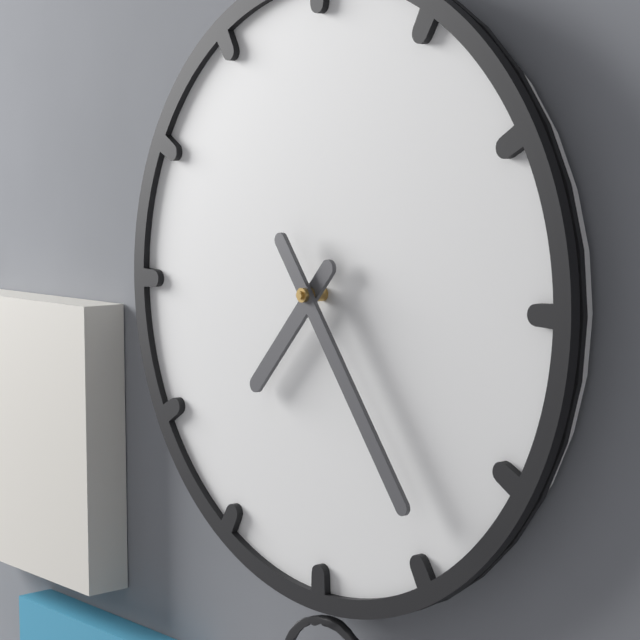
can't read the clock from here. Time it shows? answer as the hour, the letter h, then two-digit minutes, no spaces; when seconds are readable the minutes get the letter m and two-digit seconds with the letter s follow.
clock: 7h24
